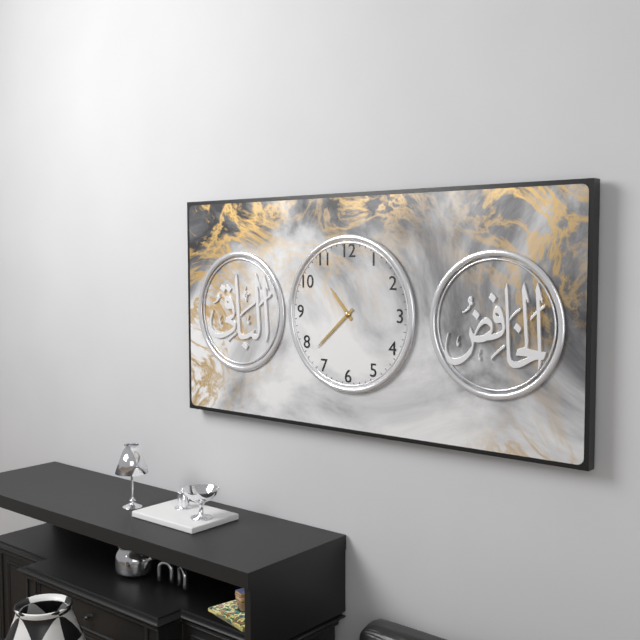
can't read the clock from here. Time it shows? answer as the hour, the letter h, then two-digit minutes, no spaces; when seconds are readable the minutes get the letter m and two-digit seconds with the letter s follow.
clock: 10h38
